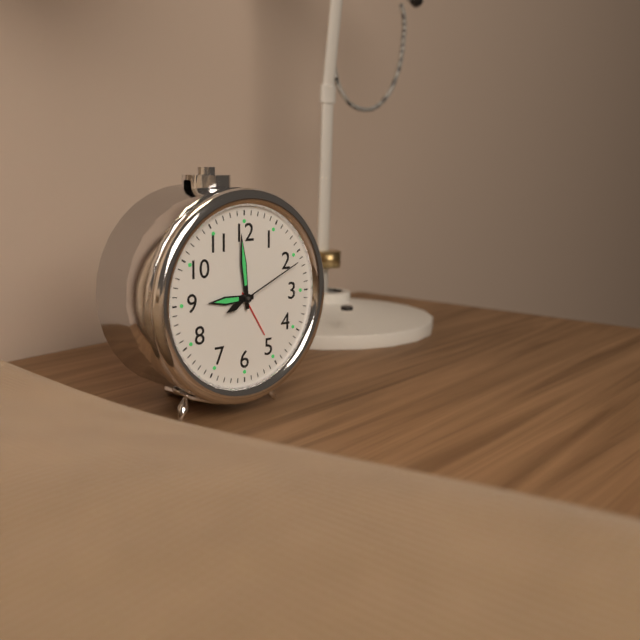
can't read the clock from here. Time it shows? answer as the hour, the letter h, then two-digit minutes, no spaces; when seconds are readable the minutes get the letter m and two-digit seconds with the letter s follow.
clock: 8h59m11s
